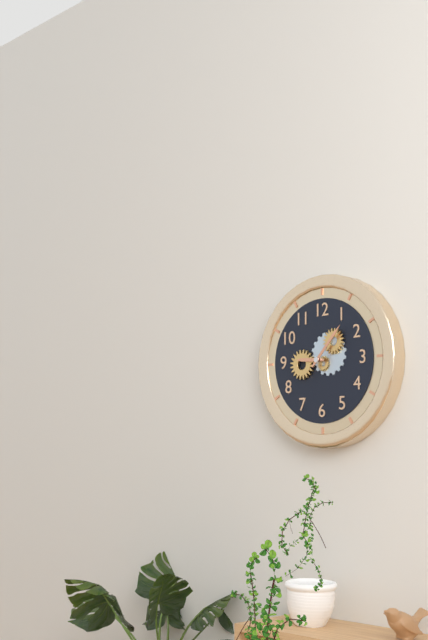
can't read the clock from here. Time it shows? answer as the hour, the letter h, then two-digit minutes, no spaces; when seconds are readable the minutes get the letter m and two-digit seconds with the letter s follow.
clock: 9h07
